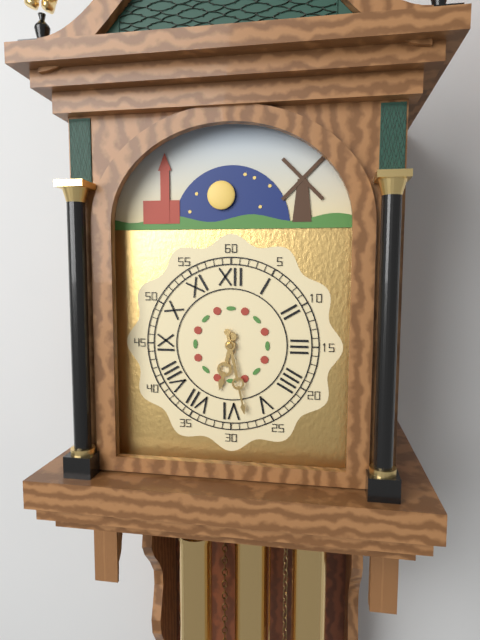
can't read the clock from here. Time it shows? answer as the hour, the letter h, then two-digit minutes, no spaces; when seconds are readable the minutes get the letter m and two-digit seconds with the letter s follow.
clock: 6h28
